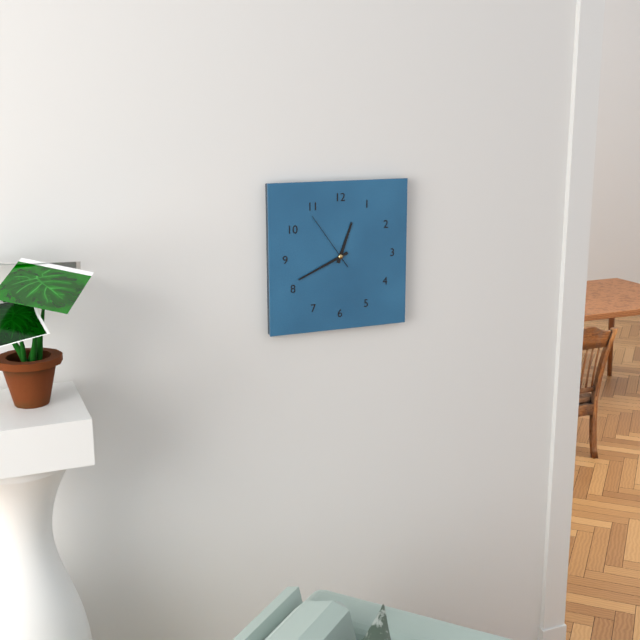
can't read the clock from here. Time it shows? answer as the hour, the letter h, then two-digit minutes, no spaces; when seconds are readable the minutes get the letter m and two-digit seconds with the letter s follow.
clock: 12h41m54s
